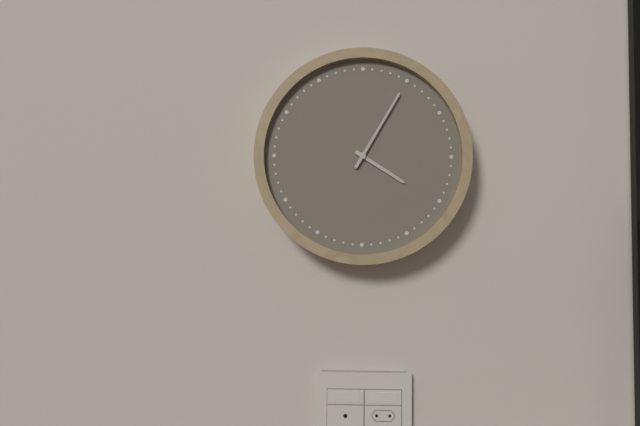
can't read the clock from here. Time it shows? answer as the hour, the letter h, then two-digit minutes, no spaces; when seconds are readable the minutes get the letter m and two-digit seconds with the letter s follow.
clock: 4h05
